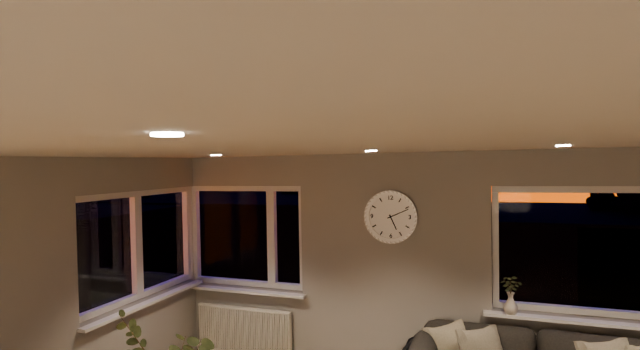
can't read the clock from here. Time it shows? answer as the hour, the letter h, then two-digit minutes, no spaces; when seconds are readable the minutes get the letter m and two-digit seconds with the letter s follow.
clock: 5h11
